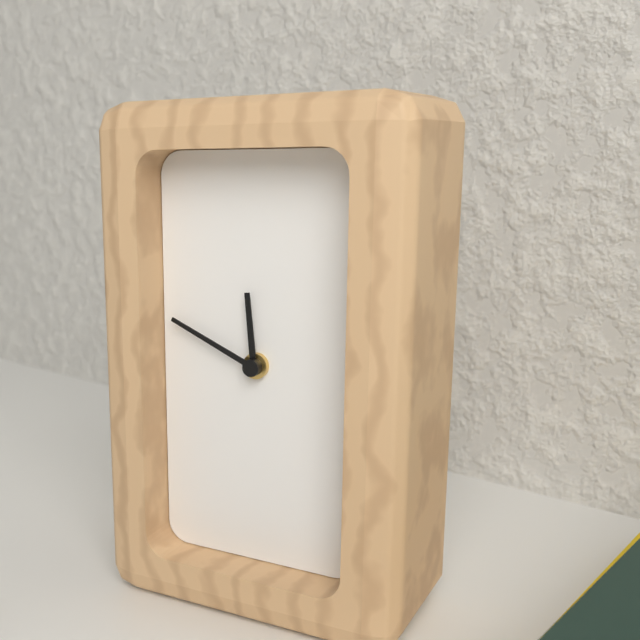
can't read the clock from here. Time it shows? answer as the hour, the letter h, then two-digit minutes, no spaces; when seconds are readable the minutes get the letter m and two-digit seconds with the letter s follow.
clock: 11h49
